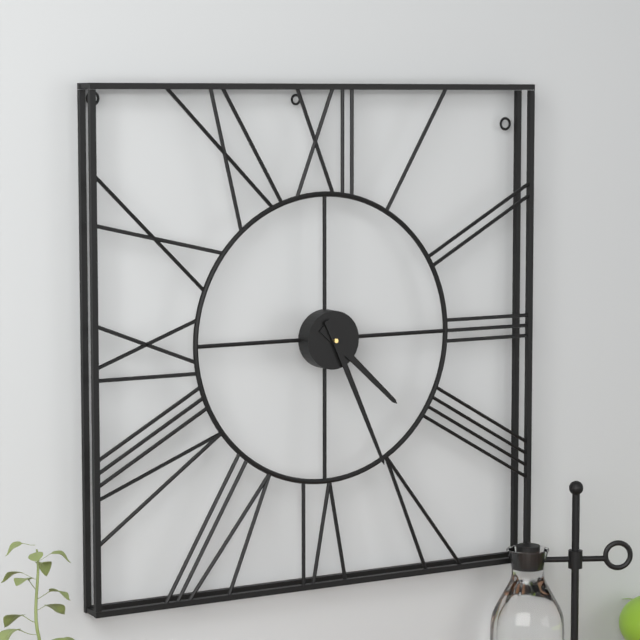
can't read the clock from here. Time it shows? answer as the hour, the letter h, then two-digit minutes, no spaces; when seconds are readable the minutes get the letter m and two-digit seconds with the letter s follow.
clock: 4h26
